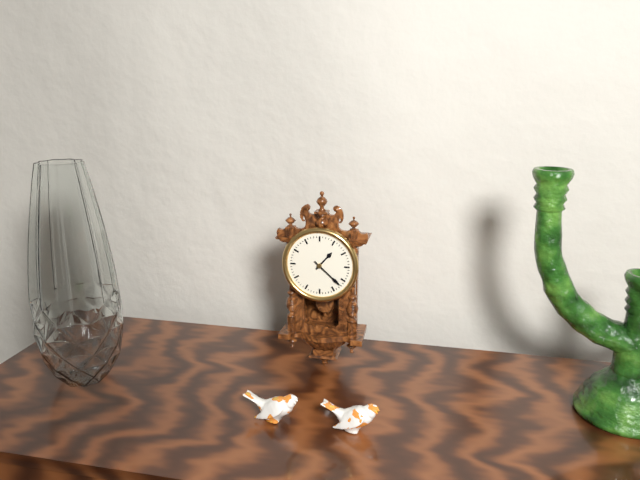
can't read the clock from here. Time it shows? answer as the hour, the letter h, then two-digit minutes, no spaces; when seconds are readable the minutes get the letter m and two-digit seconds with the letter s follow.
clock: 1h22
